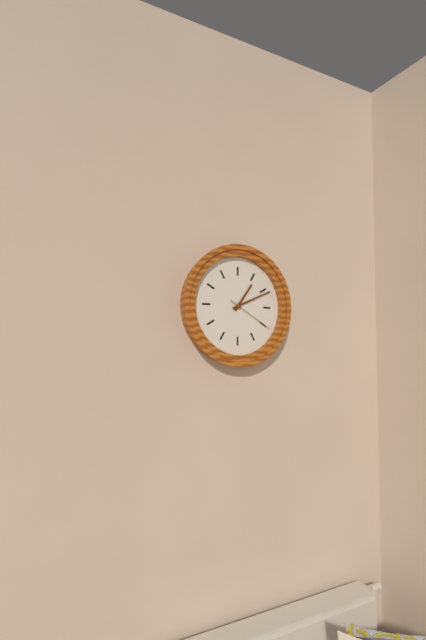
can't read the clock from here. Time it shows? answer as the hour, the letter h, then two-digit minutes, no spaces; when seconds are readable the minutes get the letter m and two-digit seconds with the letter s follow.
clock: 1h11
